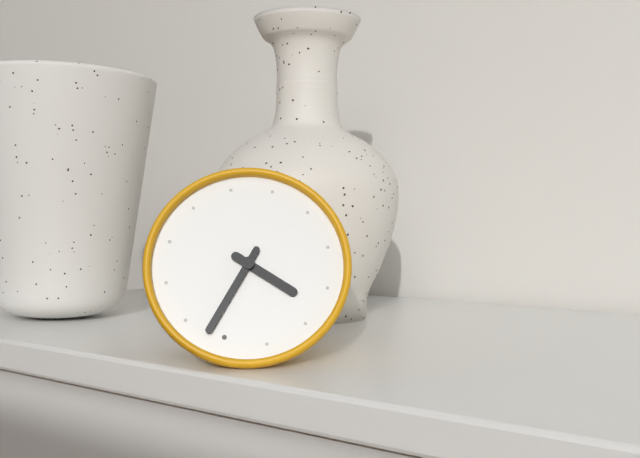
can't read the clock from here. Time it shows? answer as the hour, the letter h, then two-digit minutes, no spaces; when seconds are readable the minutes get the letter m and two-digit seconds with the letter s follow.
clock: 3h32
